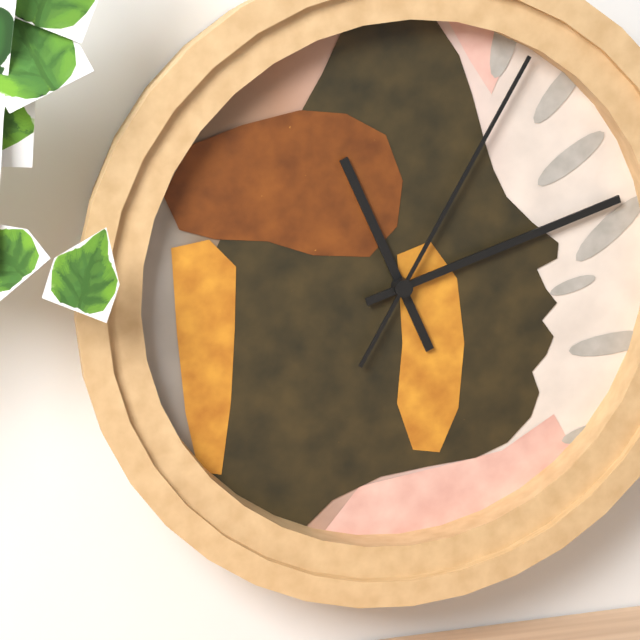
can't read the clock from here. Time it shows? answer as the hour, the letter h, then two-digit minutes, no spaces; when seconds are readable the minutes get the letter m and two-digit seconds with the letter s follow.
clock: 11h12m05s
